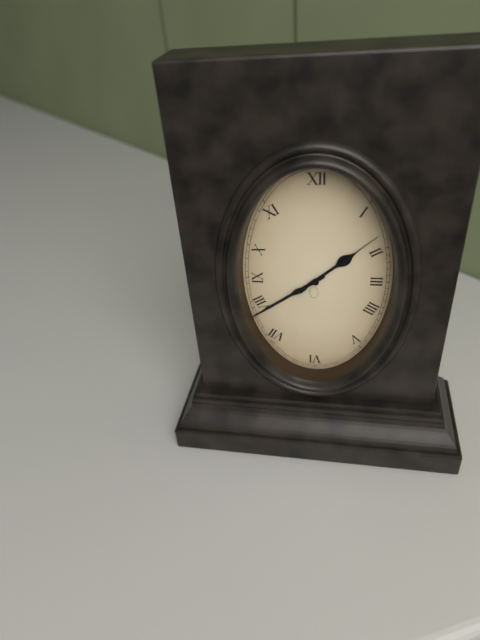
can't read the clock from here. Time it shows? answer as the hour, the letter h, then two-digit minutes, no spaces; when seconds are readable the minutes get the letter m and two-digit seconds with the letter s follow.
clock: 1h39m08s
